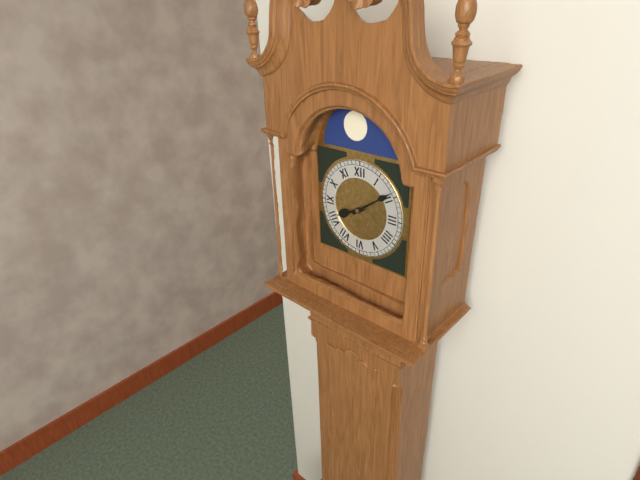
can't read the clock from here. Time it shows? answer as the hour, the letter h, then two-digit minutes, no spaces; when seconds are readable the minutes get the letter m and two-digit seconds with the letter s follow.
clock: 8h09
